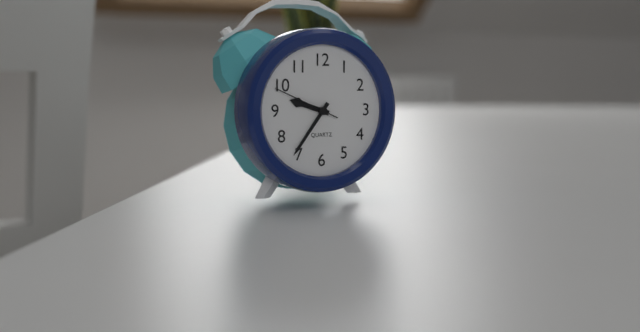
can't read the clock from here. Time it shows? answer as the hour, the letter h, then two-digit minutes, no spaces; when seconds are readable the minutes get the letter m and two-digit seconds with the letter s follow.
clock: 9h36m49s
